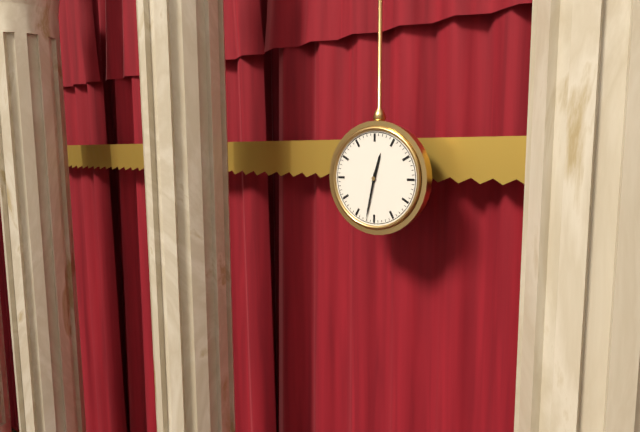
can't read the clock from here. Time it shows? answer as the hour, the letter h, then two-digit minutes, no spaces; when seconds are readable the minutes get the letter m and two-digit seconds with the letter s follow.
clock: 12h32
